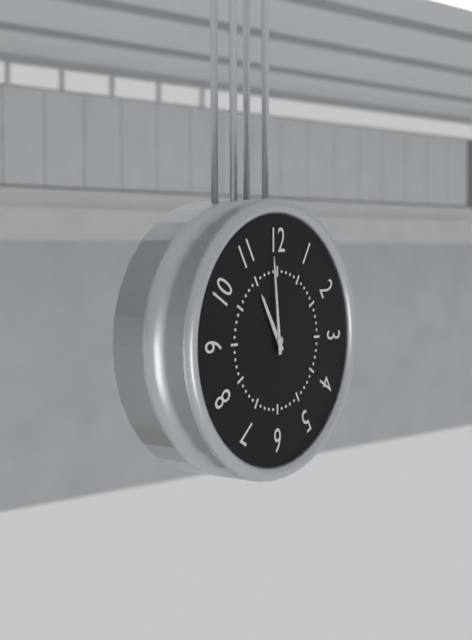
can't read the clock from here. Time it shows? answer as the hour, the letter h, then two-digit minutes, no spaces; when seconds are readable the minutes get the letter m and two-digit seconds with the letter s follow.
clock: 10h59
